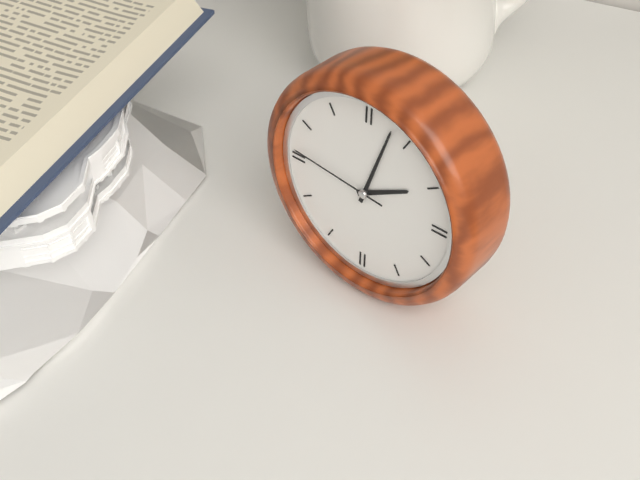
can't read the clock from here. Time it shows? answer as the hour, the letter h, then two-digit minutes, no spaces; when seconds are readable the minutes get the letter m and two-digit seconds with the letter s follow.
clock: 2h03m46s
